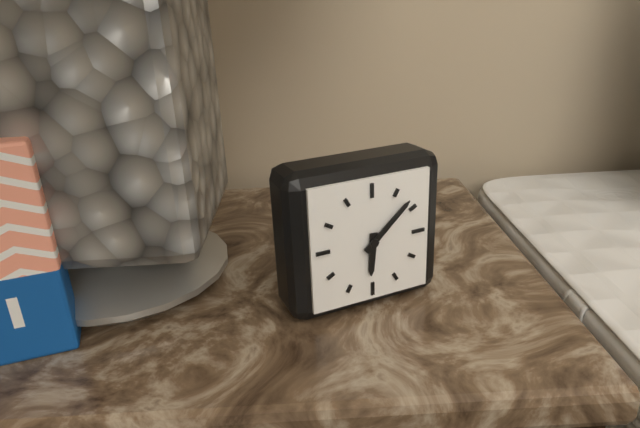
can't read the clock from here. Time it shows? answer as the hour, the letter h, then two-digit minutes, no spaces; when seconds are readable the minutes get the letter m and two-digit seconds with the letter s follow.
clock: 6h08
